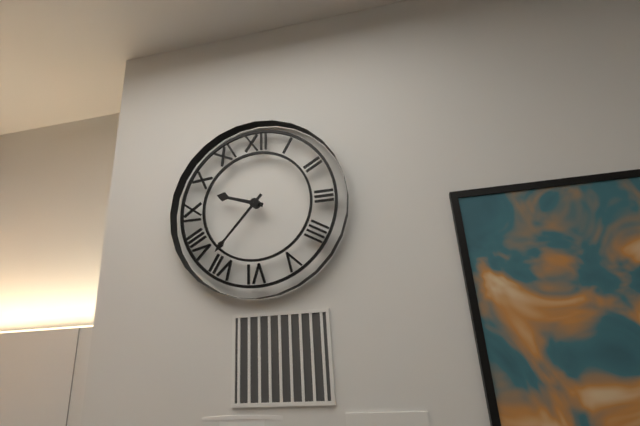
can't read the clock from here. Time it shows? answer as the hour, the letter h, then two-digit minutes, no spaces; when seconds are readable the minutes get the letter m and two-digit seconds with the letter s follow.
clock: 9h37
